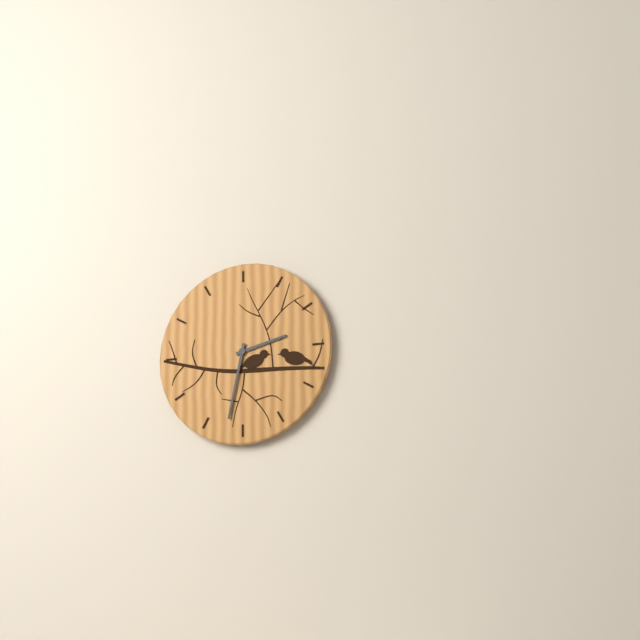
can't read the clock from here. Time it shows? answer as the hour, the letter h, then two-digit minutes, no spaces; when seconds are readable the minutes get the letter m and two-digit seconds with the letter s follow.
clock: 2h32
